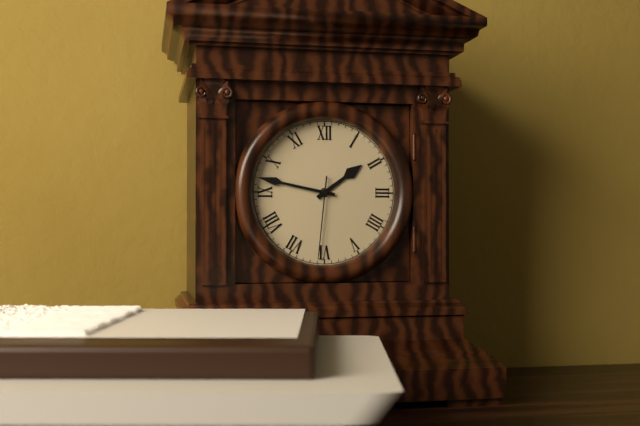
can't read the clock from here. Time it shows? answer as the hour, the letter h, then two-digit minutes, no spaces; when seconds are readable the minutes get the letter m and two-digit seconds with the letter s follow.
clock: 1h47m31s
